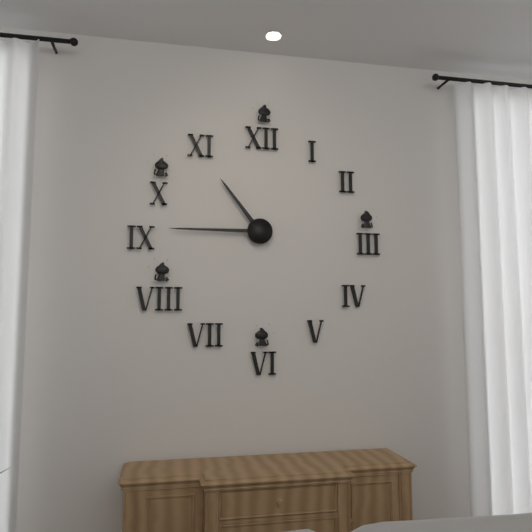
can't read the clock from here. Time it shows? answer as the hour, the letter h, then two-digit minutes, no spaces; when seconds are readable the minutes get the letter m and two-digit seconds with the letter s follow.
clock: 10h45
